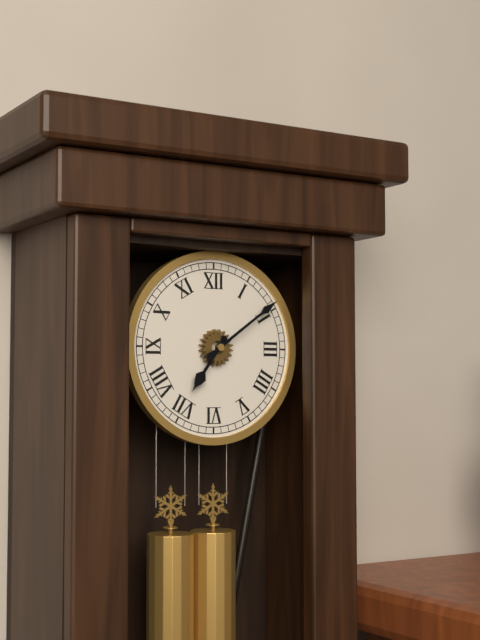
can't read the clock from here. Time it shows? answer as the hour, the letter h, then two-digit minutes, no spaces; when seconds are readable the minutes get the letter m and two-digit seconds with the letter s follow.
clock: 7h09
